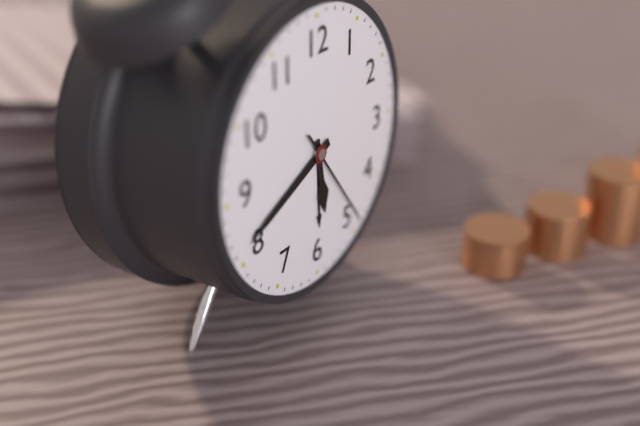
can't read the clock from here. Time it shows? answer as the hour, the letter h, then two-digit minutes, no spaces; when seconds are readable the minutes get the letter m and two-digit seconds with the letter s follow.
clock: 5h41m24s
